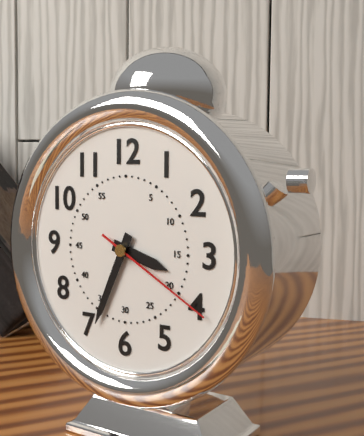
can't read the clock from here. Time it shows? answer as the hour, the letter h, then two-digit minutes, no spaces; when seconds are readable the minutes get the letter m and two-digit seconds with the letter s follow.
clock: 3h34m20s
